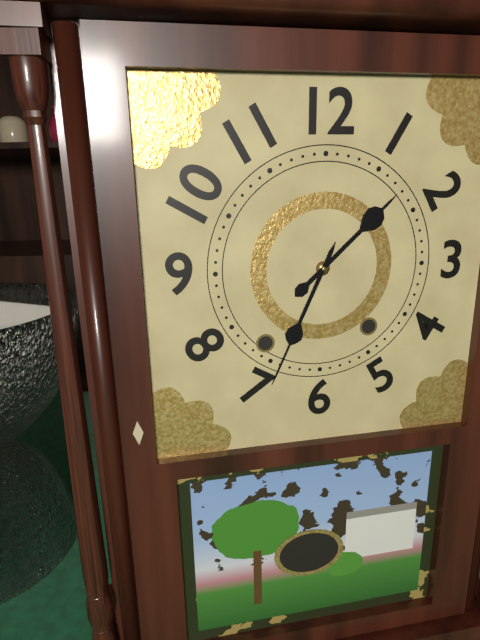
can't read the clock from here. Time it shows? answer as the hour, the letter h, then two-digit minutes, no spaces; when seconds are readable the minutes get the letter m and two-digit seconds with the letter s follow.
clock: 1h34
